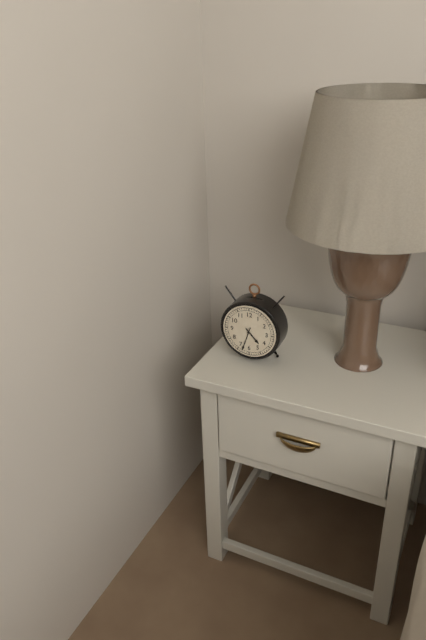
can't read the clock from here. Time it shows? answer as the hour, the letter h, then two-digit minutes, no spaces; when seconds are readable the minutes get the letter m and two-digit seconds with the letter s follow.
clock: 4h33
